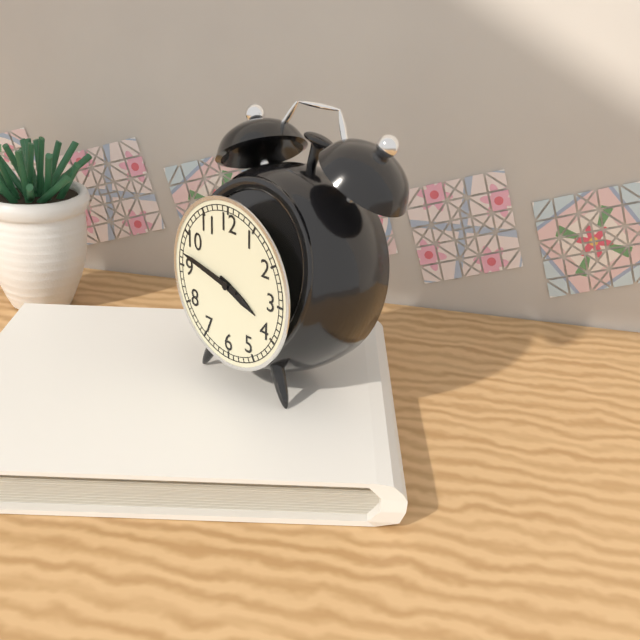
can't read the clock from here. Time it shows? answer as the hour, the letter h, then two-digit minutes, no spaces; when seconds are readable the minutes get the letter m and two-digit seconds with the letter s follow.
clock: 3h47
